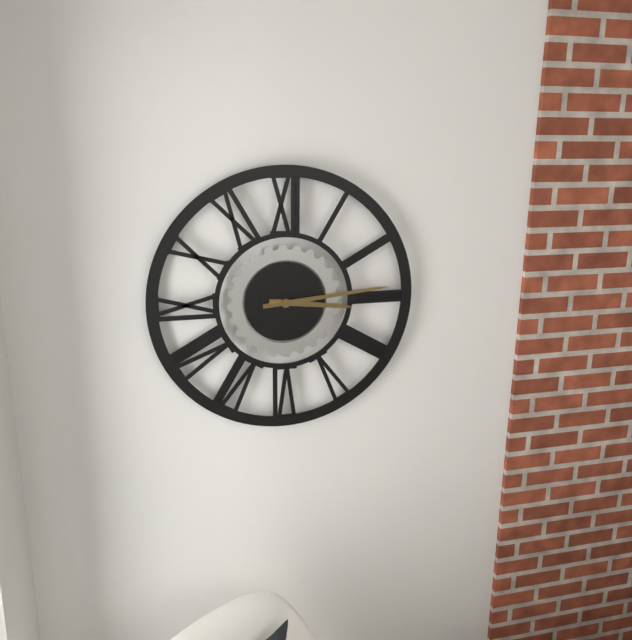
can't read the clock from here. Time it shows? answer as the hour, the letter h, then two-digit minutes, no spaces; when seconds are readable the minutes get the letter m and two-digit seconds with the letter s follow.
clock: 3h14
